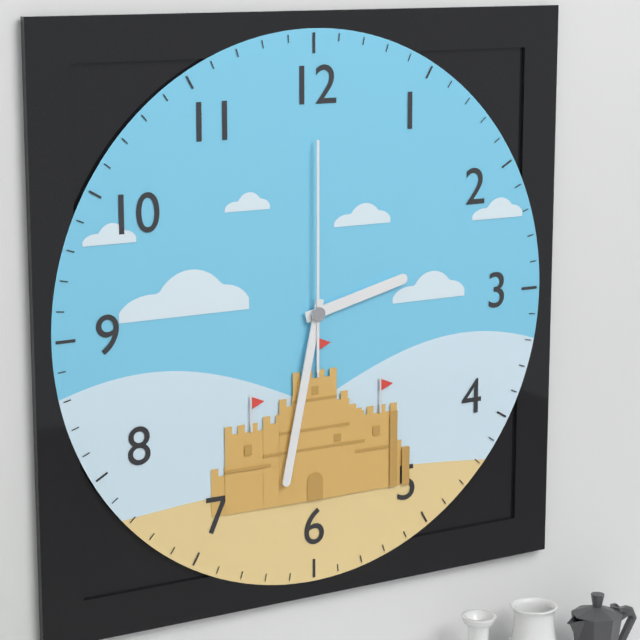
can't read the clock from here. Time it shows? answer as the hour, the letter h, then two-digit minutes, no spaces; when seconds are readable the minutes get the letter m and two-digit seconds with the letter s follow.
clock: 2h32m00s
